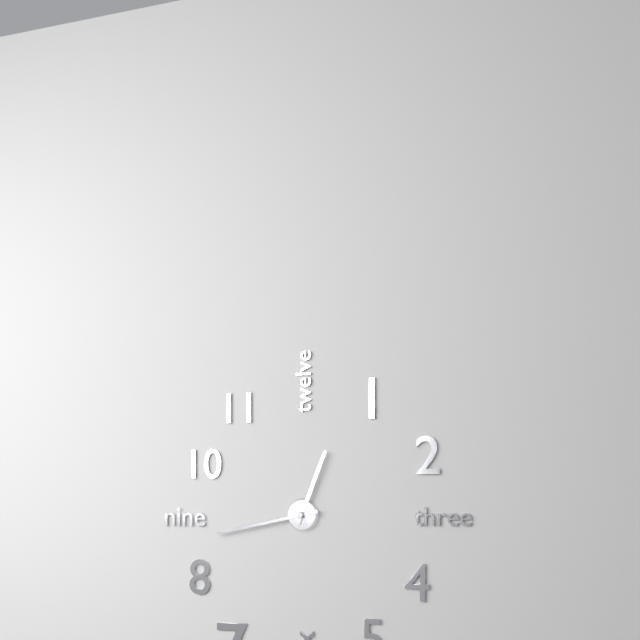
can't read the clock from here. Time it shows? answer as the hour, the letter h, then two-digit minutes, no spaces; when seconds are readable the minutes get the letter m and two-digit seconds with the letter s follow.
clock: 12h43
